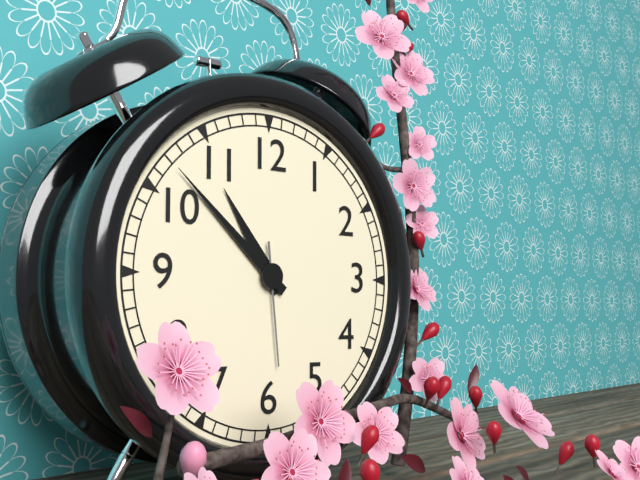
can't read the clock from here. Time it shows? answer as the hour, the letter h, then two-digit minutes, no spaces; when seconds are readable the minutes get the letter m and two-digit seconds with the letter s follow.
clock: 10h52m29s
